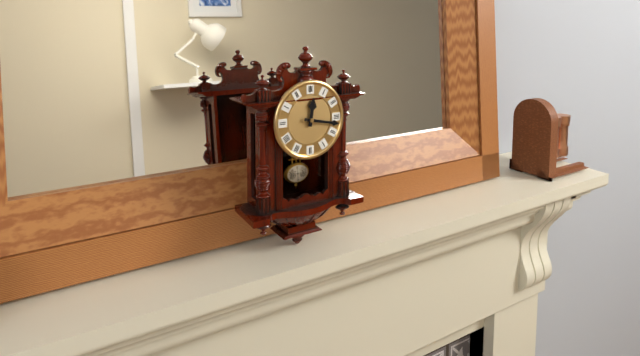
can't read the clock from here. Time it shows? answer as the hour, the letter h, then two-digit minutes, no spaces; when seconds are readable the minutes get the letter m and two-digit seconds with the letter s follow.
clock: 12h17
